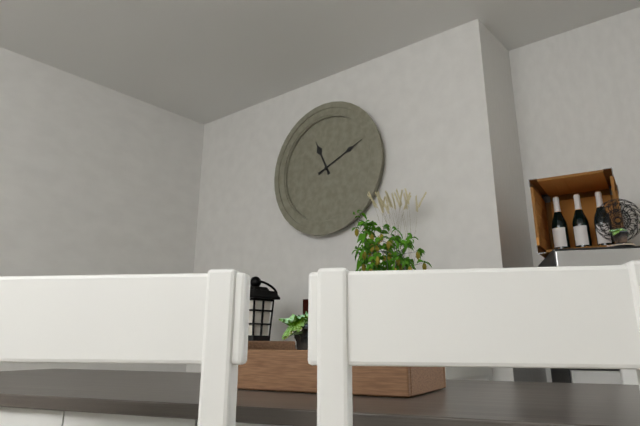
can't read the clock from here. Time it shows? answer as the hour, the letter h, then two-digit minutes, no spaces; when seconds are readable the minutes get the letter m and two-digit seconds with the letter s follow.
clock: 11h11
